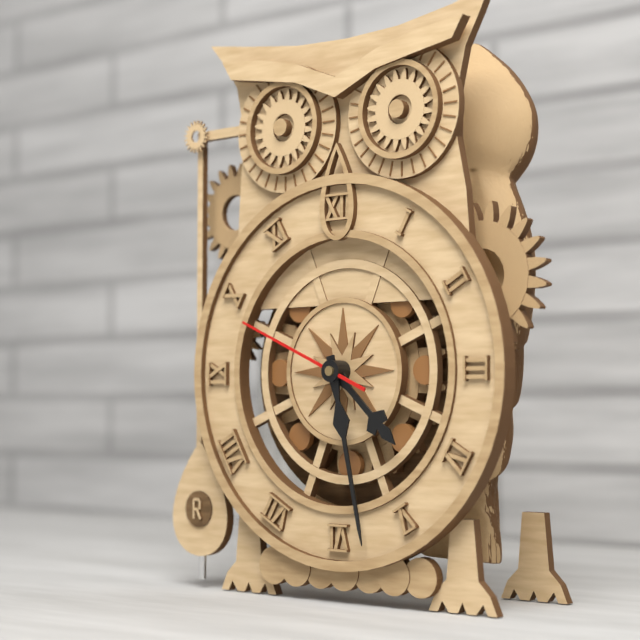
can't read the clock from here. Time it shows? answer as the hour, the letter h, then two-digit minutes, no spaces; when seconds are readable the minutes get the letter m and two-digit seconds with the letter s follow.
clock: 4h28m49s
